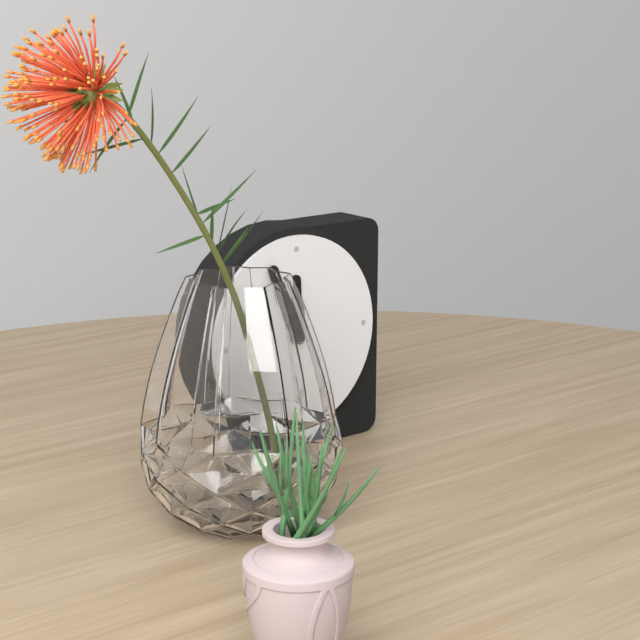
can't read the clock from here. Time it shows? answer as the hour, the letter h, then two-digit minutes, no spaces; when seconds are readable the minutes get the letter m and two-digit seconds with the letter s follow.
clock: 11h56
